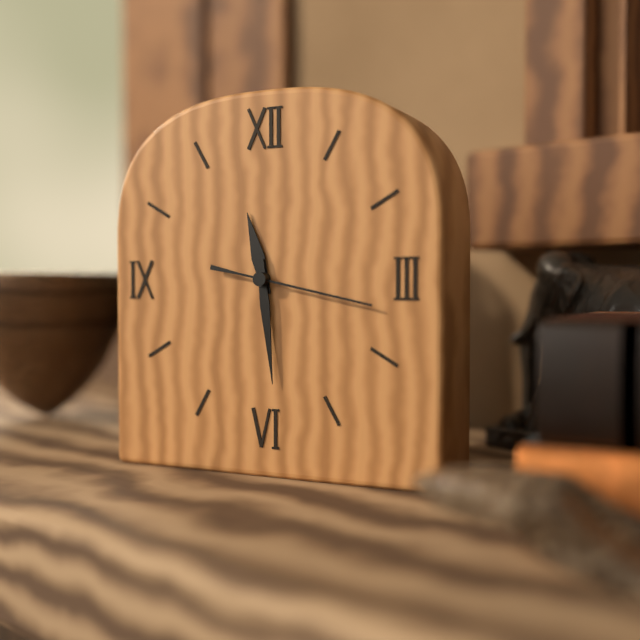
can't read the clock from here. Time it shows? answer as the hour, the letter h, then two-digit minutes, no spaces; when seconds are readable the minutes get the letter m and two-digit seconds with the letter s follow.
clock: 11h29m17s
